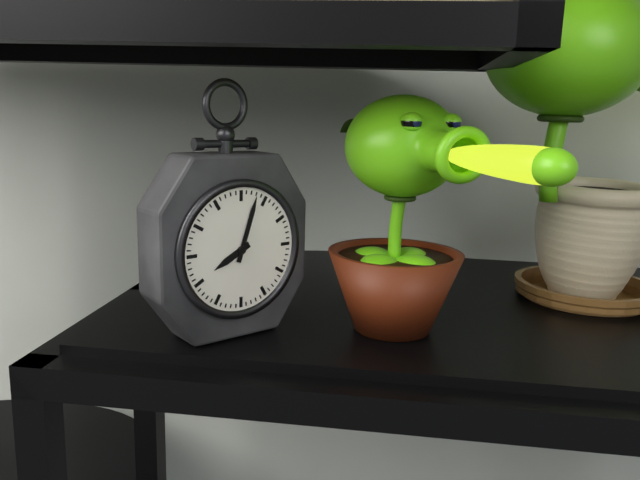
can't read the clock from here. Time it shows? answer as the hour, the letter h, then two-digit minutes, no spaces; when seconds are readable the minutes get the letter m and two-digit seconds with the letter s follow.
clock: 8h03
